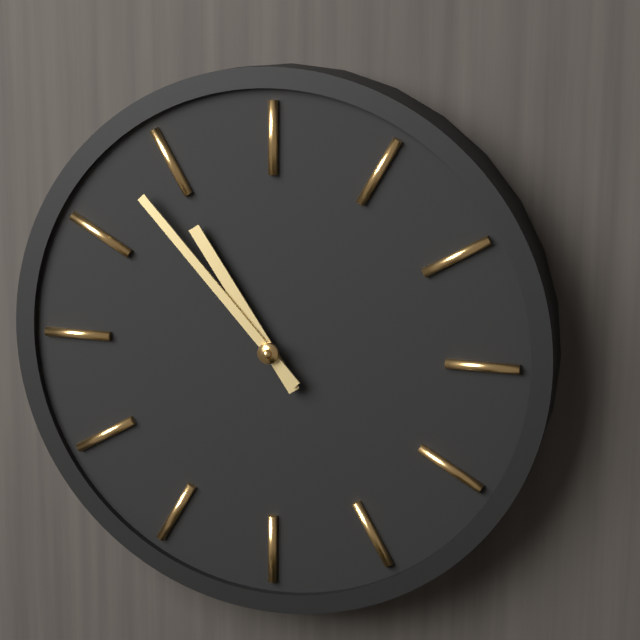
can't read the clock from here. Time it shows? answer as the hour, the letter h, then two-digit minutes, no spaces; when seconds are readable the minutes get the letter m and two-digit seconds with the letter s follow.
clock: 10h53
